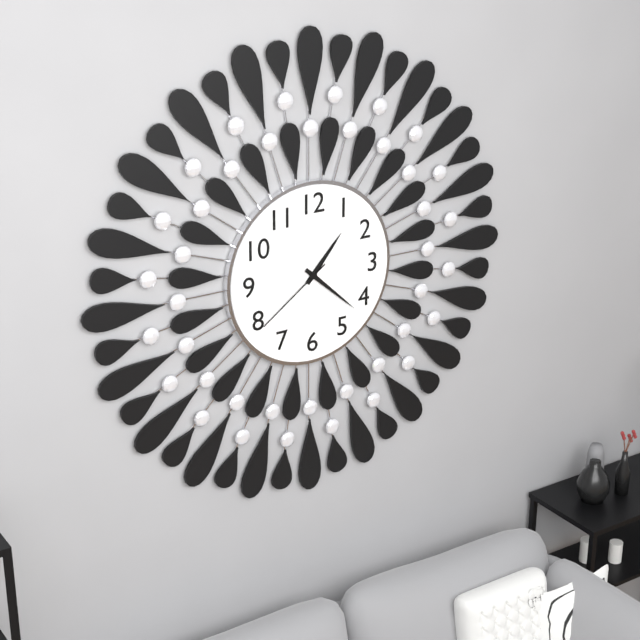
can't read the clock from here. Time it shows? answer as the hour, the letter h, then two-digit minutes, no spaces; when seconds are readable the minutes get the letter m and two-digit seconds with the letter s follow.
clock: 1h22m39s
